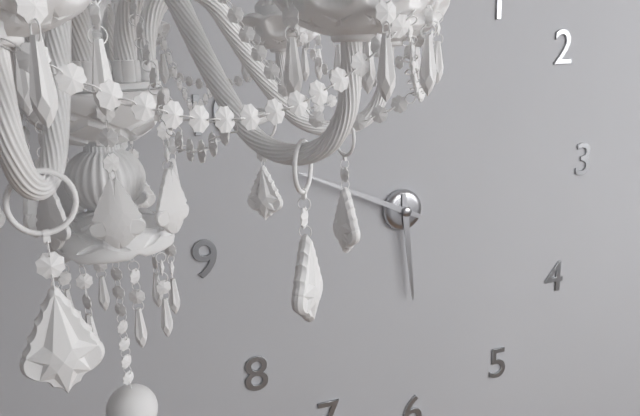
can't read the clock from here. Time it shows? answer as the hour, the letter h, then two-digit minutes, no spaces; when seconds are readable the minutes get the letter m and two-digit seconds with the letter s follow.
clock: 5h49
